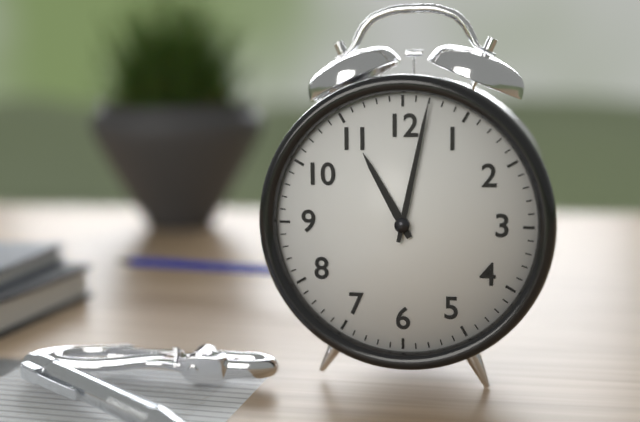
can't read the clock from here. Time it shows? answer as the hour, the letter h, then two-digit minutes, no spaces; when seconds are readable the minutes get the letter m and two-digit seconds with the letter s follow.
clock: 11h02
